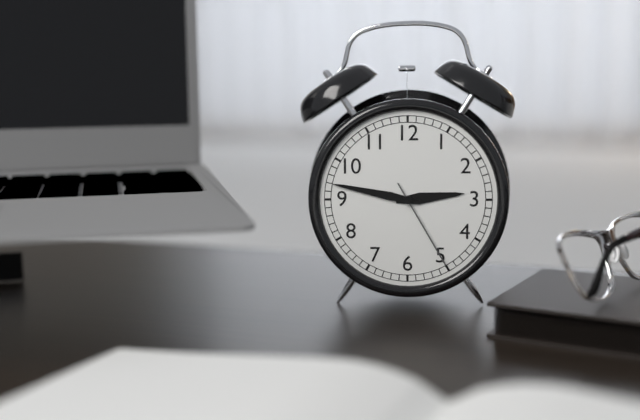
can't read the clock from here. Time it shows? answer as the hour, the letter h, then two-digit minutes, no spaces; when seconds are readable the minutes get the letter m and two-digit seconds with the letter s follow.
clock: 2h47m25s
